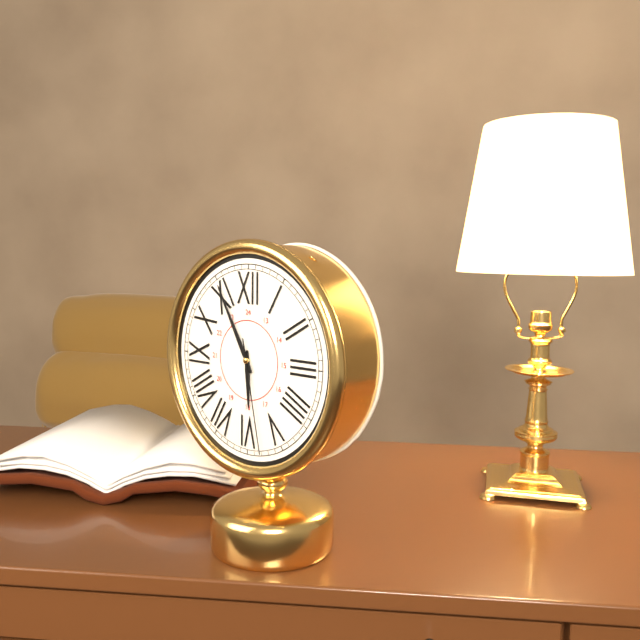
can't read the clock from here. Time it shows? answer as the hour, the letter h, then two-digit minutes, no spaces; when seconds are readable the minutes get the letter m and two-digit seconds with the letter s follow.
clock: 5h55m28s
